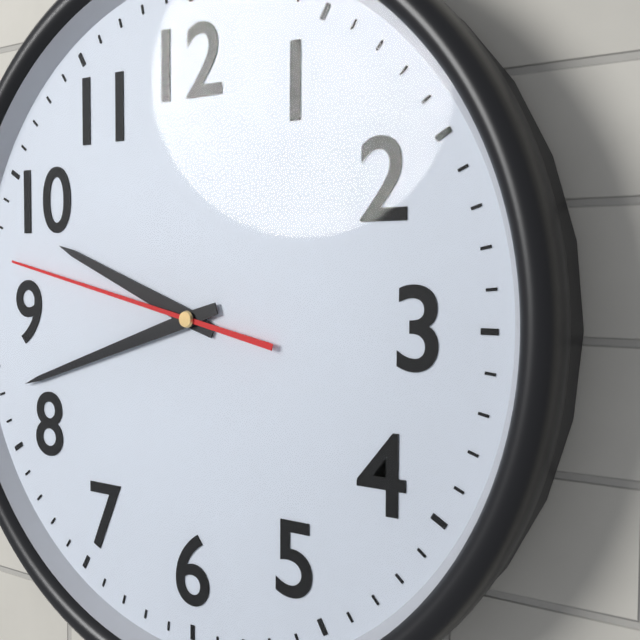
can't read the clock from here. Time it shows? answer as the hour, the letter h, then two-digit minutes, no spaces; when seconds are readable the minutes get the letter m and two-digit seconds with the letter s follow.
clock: 9h42m47s
